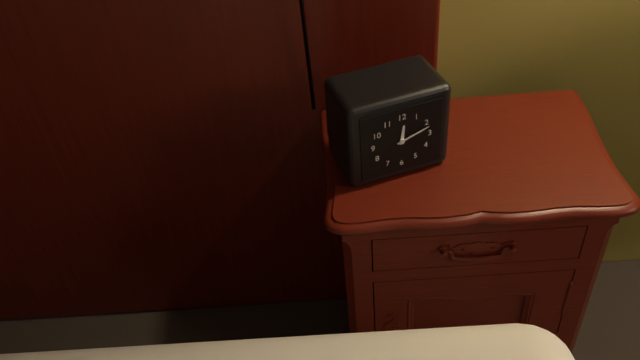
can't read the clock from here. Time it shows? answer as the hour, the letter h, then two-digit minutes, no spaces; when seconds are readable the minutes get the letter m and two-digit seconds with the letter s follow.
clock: 12h12
